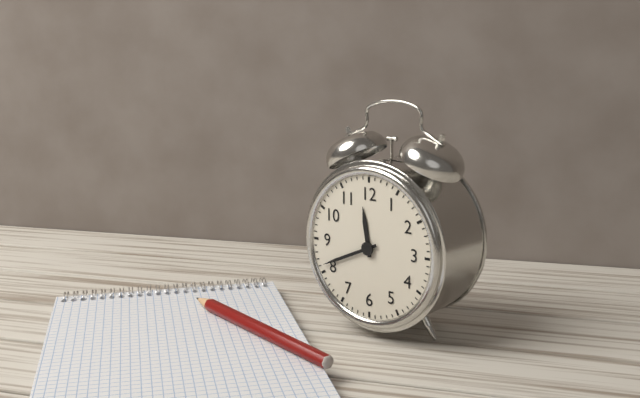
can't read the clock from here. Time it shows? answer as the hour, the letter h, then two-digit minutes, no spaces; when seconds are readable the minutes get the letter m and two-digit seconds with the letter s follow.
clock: 11h41
